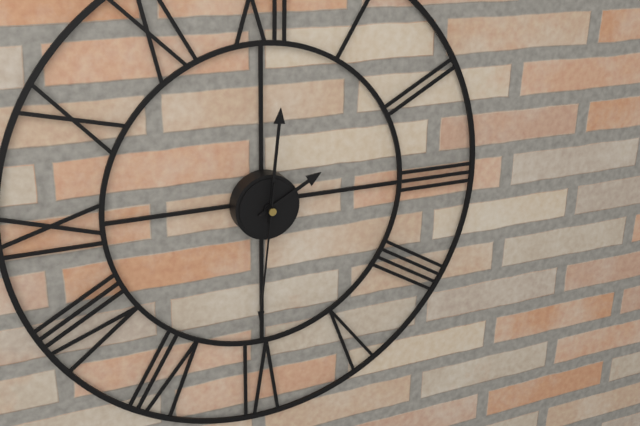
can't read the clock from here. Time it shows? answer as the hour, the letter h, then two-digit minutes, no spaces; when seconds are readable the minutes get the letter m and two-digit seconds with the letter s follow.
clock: 2h01m31s
